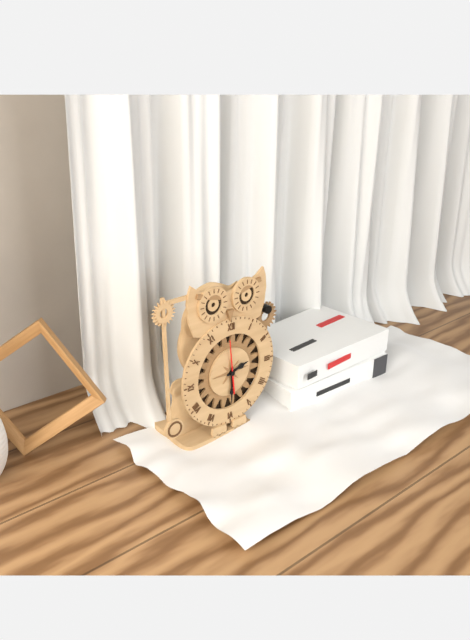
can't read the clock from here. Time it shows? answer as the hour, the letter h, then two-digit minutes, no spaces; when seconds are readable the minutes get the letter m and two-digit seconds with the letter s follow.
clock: 2h30
